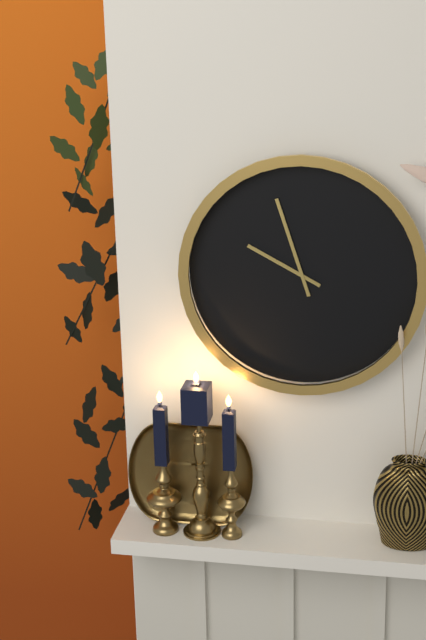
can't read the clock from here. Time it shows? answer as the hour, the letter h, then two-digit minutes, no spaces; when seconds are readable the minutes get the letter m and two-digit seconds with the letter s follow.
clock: 9h57
